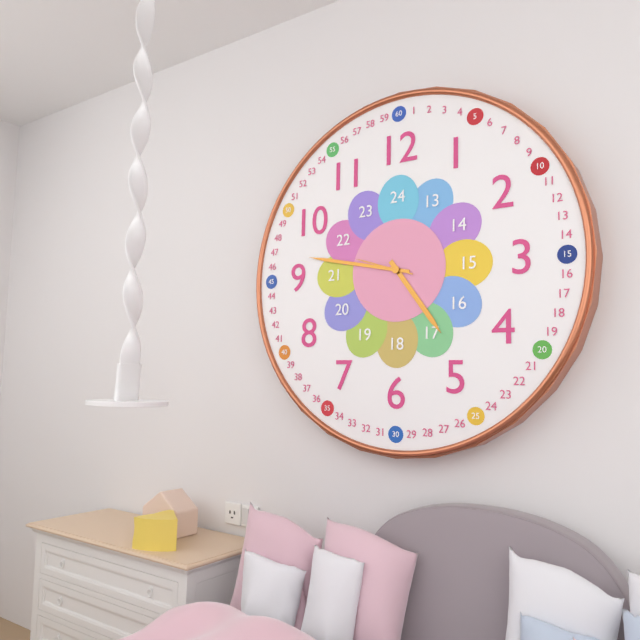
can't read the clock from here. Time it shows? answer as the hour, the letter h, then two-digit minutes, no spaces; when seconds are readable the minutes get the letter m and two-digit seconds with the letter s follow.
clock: 4h47m48s
